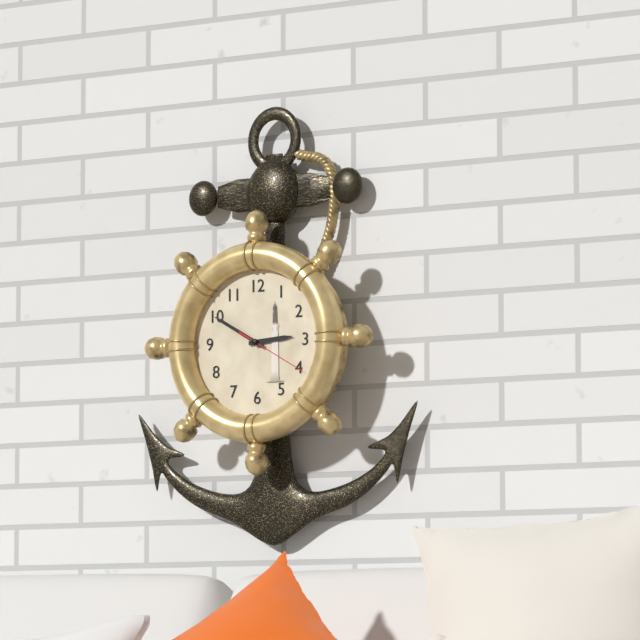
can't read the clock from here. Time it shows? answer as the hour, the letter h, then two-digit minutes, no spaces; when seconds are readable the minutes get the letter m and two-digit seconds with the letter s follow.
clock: 2h50m20s
